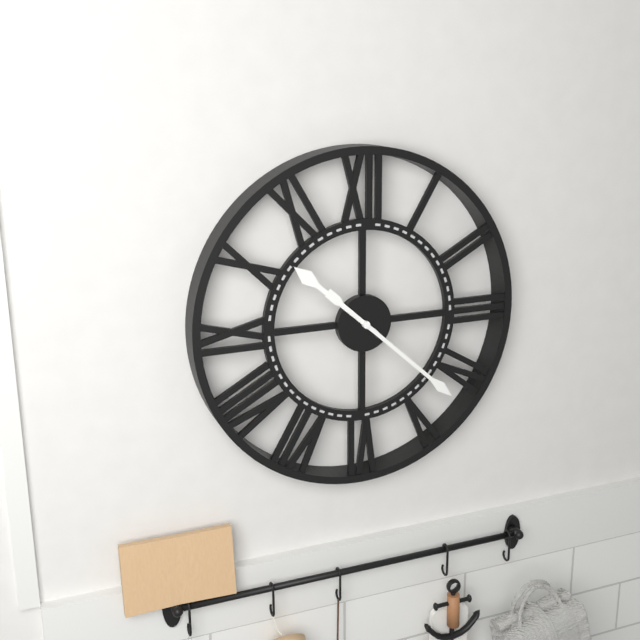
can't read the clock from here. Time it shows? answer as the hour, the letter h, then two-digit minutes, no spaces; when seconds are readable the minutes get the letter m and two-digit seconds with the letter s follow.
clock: 10h22
